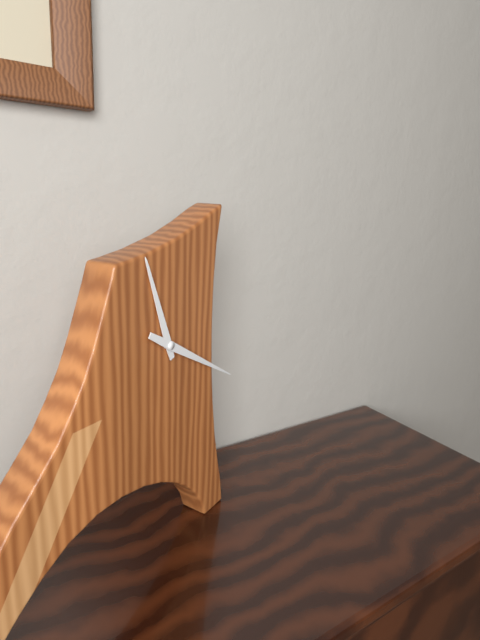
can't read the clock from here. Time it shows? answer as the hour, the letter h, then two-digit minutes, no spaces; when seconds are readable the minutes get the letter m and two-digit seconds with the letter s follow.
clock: 11h20
